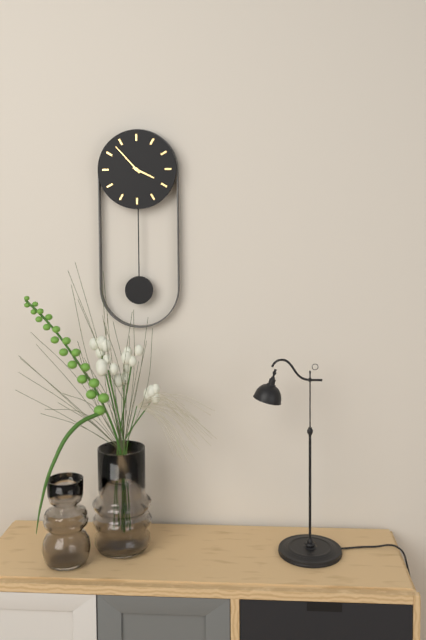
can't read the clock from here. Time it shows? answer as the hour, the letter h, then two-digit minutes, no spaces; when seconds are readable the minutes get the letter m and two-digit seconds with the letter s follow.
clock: 3h53
